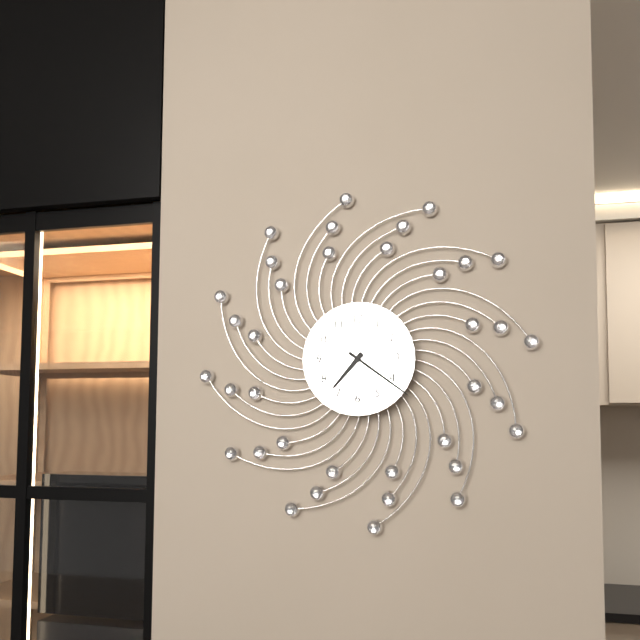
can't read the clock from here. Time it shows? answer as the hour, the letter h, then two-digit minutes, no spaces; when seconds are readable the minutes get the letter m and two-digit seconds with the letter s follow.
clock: 7h21
